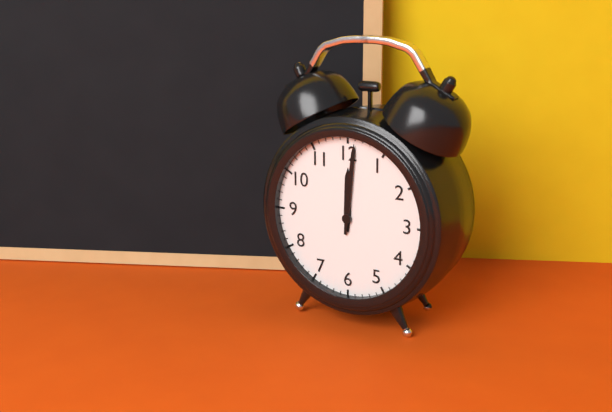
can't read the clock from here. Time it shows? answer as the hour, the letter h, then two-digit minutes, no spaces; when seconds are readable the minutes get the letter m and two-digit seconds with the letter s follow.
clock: 12h01
